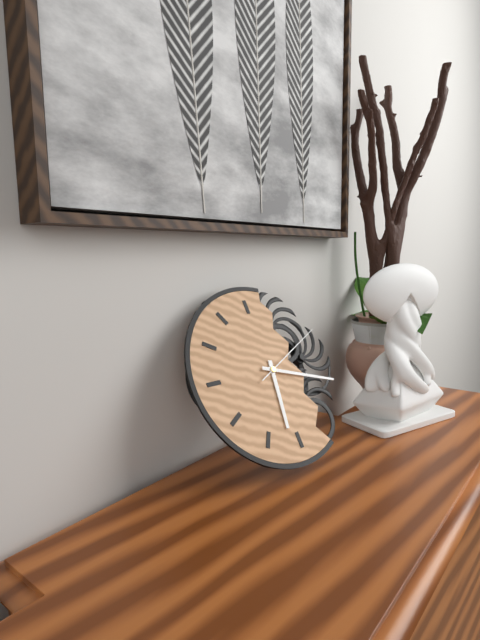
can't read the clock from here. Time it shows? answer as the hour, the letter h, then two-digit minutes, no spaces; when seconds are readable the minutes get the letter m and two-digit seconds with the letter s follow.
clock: 6h18m11s
